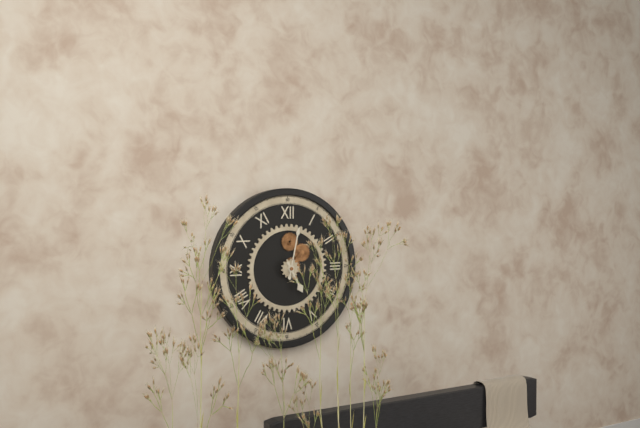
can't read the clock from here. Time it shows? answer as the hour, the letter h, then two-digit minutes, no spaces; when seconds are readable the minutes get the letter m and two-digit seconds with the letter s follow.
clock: 5h02
